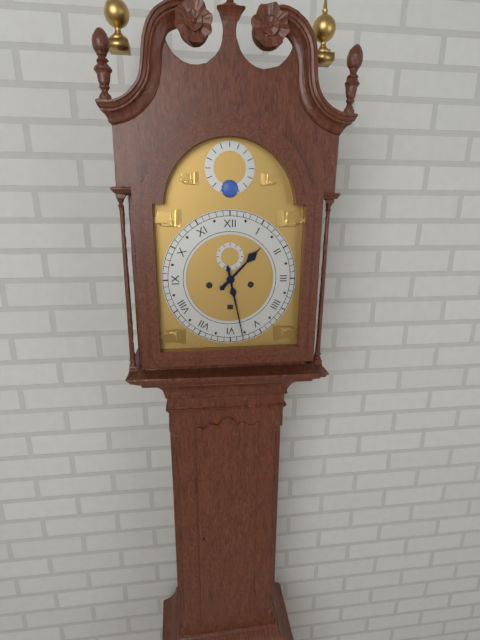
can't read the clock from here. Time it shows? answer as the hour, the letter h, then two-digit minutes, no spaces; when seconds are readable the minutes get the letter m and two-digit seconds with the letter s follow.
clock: 1h28
